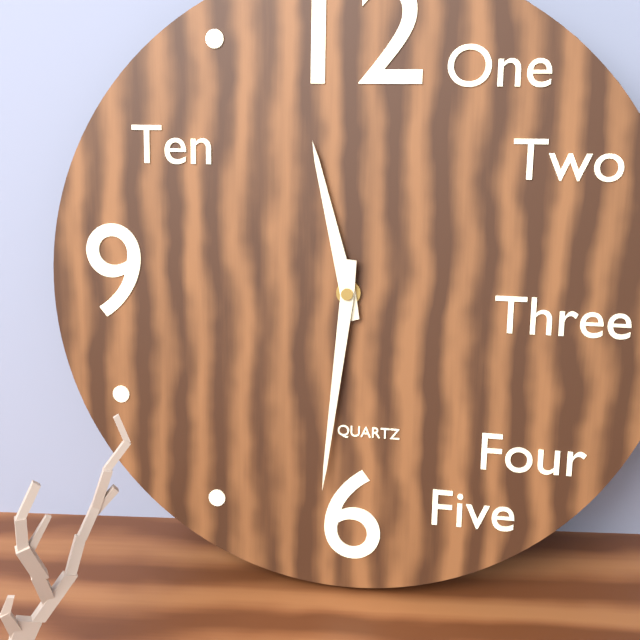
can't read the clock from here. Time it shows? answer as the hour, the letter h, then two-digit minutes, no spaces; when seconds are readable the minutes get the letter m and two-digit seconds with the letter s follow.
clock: 11h31
